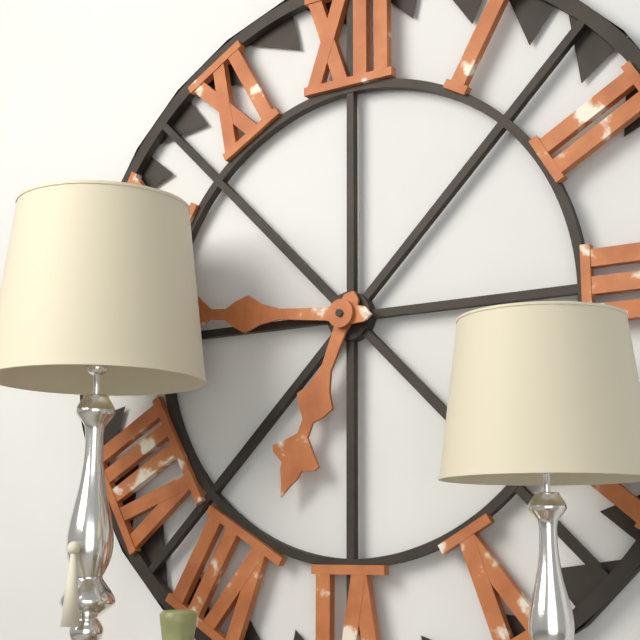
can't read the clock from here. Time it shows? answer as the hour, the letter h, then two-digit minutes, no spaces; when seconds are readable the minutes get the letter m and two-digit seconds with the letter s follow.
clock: 6h46
